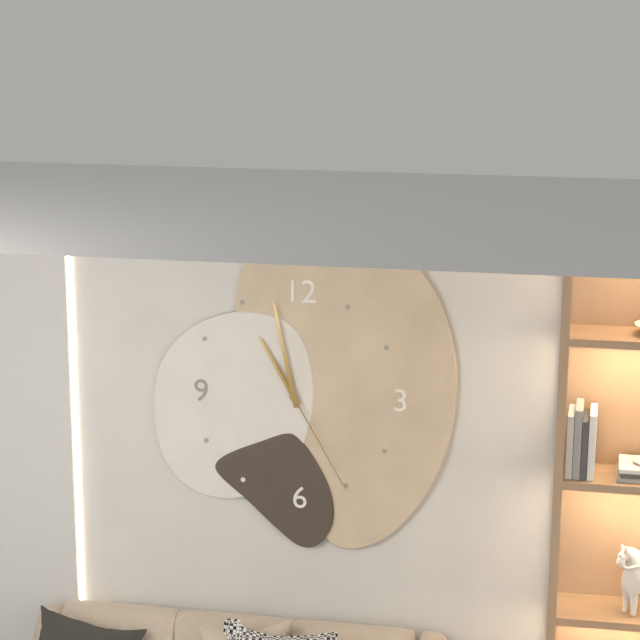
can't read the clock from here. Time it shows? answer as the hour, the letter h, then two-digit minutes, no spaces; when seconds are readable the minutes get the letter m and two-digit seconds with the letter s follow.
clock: 10h58m25s
